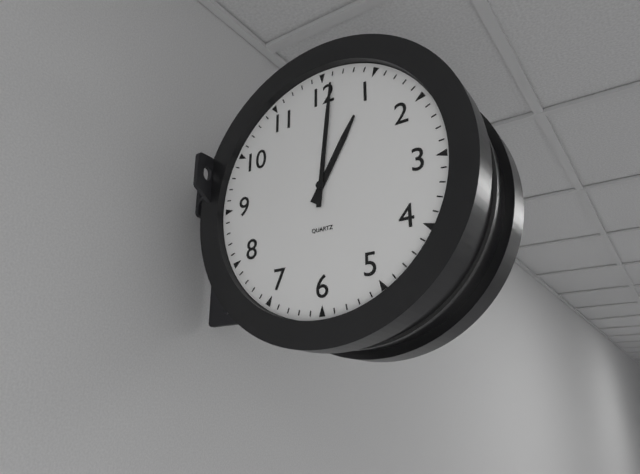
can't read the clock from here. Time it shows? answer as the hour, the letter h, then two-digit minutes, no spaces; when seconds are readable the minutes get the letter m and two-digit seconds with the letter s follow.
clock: 1h01
